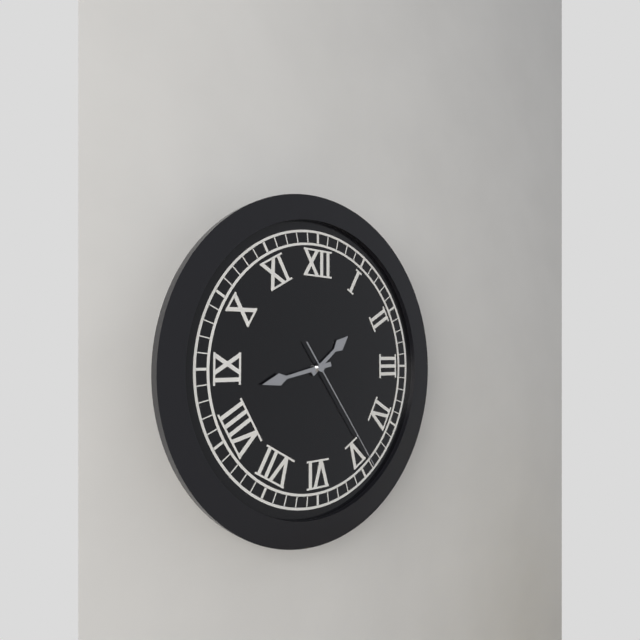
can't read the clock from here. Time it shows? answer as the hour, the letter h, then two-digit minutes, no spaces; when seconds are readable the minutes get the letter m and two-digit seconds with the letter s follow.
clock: 1h43m24s
